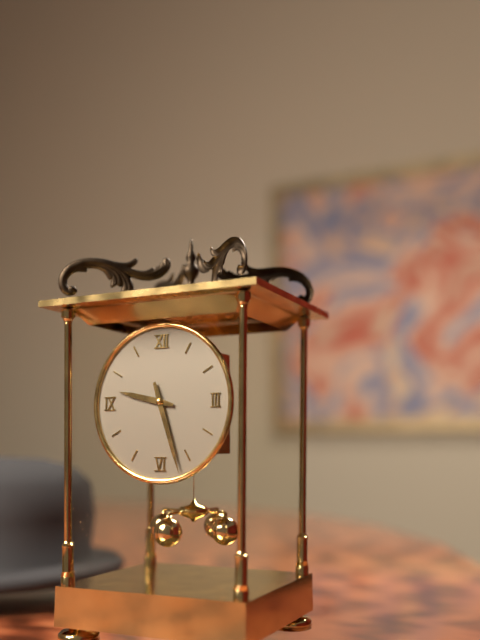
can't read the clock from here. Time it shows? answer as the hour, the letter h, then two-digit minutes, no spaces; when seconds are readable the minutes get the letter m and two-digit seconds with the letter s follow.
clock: 9h27
